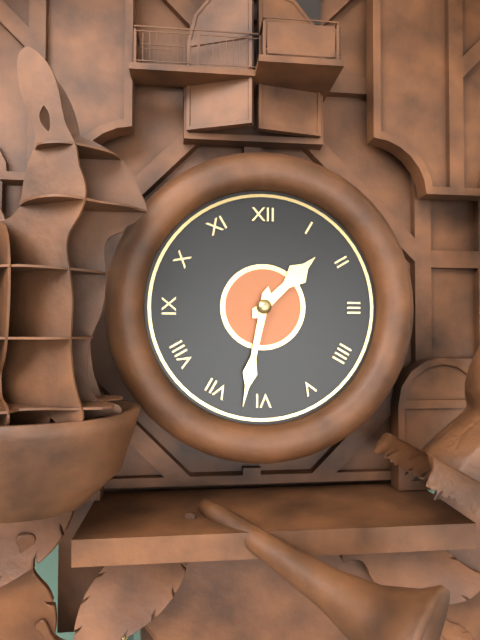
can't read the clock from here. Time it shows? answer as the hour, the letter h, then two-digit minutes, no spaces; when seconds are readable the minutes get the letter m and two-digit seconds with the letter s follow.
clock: 1h32
